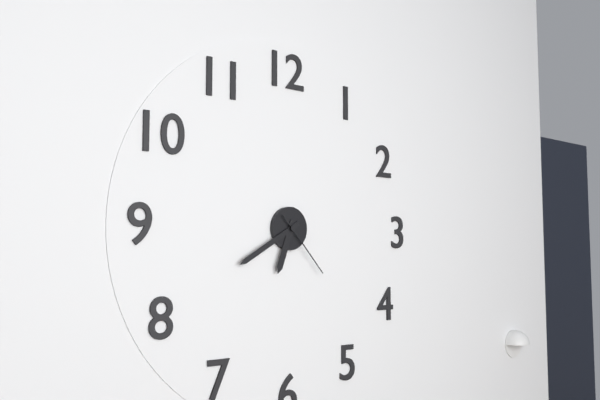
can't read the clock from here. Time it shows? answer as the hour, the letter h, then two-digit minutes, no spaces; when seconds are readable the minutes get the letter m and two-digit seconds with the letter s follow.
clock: 6h40m23s
